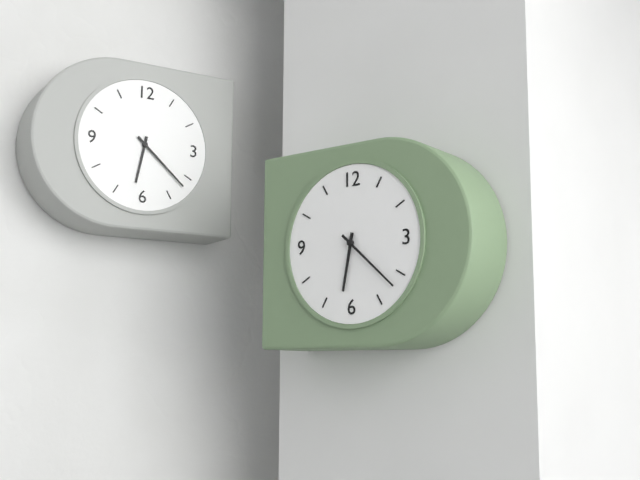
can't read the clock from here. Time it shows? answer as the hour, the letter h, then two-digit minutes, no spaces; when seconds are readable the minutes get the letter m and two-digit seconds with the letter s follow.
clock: 6h22
